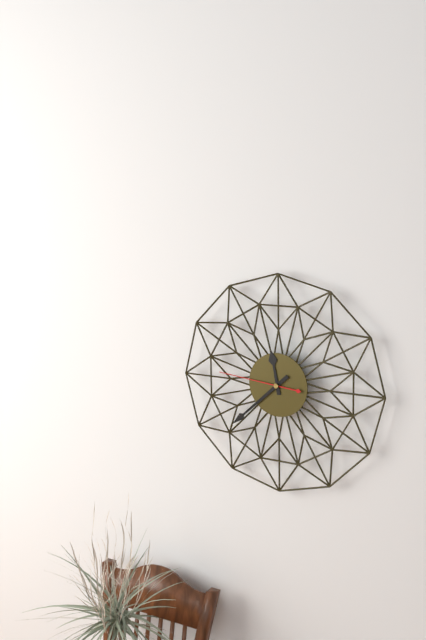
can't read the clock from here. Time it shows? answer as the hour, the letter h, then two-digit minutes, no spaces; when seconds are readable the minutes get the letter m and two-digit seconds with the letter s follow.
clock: 11h38m46s
